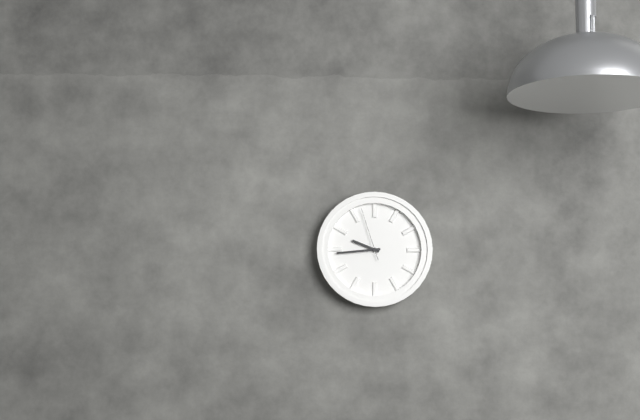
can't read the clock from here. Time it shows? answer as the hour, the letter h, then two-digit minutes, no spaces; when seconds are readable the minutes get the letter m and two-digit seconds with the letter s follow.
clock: 9h44m57s
